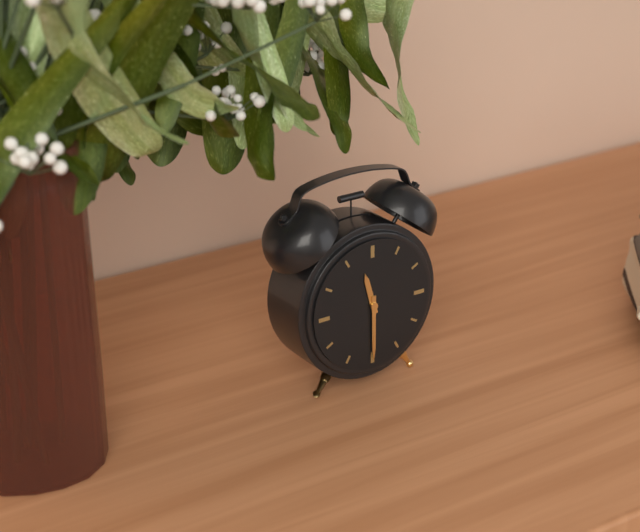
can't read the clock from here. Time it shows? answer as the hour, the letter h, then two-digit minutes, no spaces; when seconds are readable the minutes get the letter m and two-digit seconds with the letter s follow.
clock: 11h30
